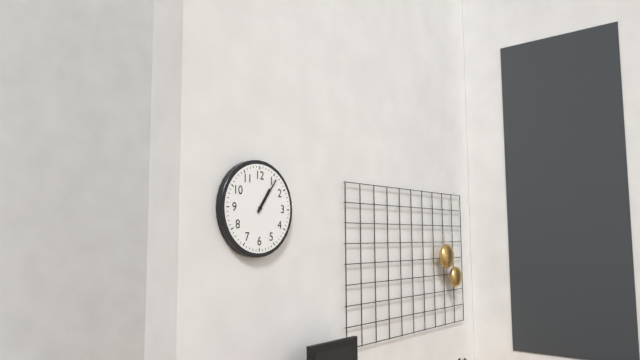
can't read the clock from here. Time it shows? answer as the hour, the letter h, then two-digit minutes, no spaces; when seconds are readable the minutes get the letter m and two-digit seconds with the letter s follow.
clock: 1h06
